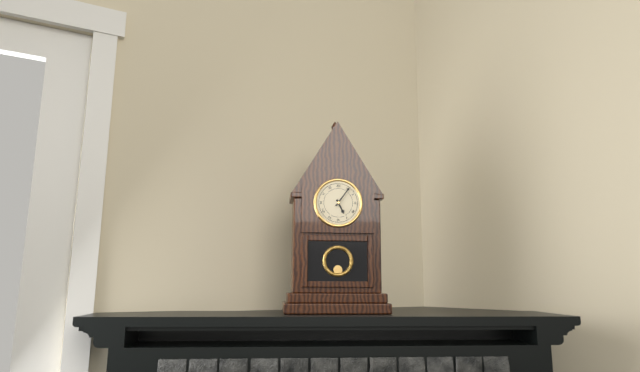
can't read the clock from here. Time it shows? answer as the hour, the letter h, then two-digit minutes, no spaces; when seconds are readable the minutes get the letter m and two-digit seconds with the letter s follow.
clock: 5h06
